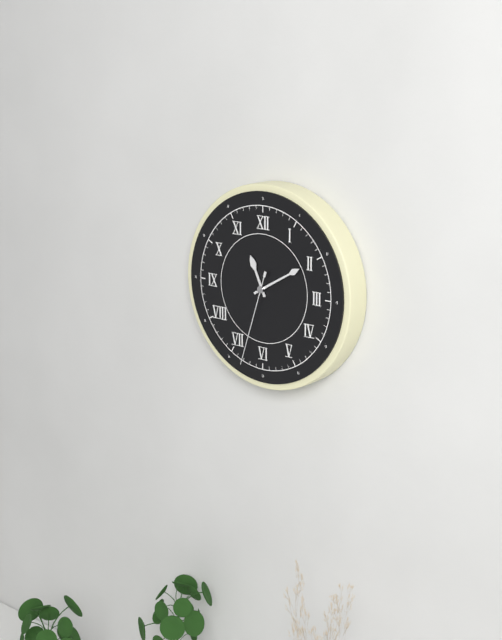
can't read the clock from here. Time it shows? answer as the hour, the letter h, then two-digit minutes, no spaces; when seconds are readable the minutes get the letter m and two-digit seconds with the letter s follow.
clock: 11h10m33s
